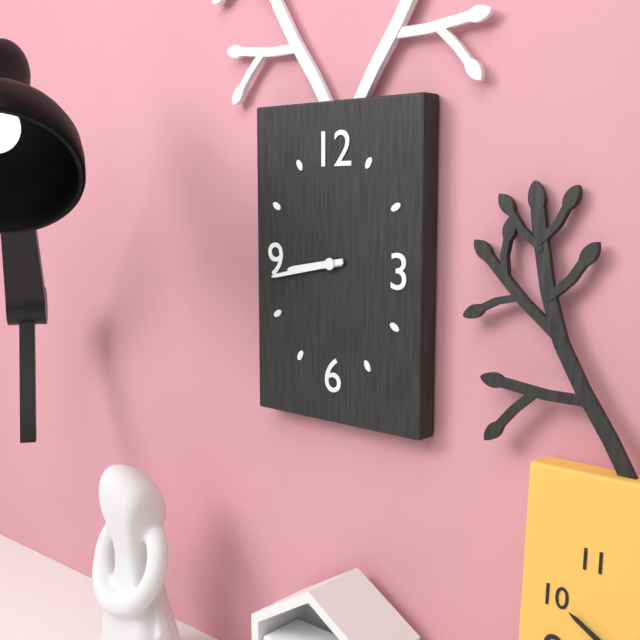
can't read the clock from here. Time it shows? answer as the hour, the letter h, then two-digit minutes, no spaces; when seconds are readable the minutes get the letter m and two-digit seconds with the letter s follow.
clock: 8h43
